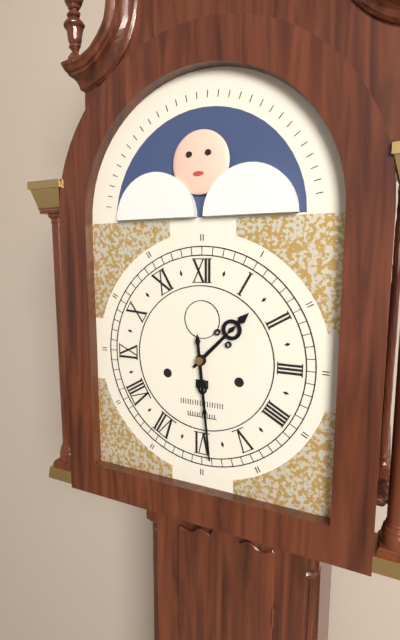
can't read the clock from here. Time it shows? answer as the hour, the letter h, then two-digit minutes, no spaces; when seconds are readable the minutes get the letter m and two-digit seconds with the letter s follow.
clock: 1h29
